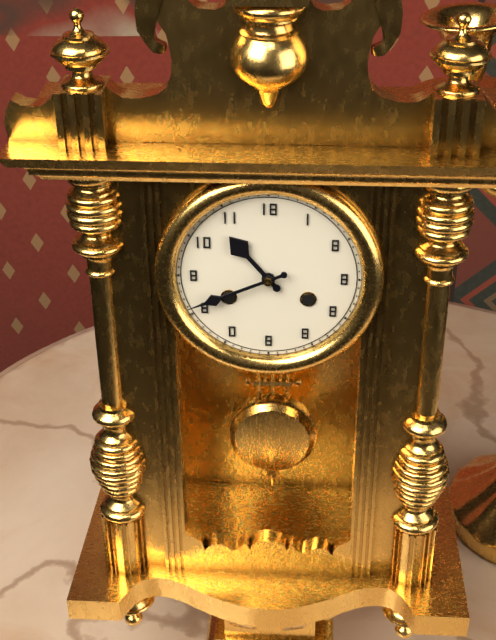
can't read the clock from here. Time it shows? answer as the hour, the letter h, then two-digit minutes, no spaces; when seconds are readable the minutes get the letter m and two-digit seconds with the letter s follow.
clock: 10h41
